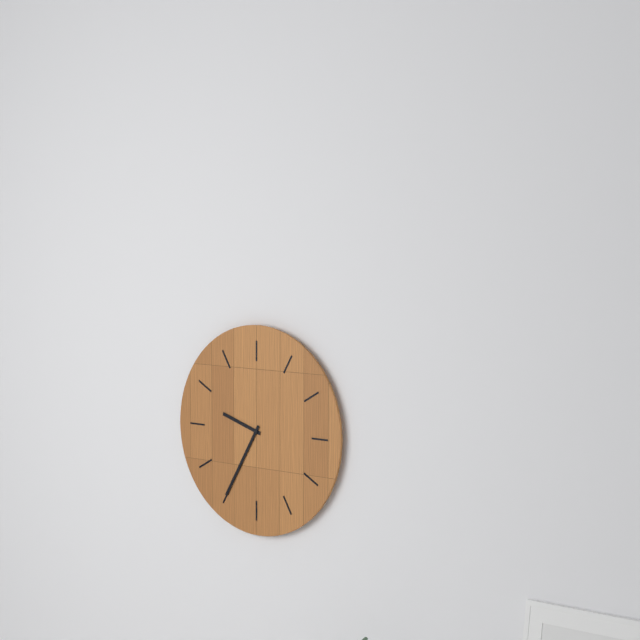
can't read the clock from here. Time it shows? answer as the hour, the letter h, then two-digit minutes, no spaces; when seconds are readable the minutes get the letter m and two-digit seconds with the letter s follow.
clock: 9h35
